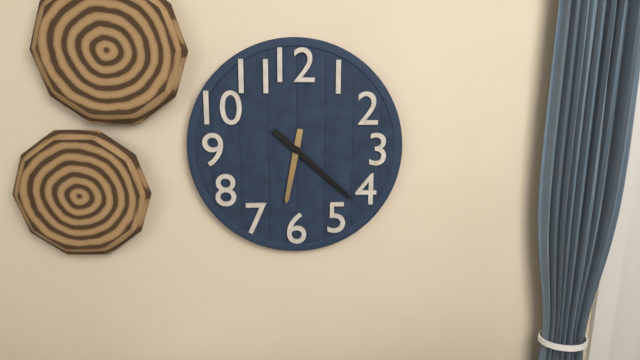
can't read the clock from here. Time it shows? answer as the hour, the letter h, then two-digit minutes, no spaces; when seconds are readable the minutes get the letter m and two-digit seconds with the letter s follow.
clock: 6h22
